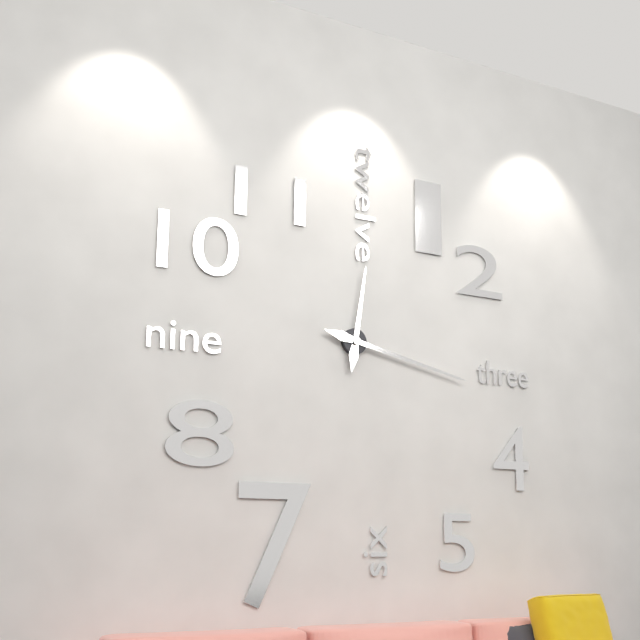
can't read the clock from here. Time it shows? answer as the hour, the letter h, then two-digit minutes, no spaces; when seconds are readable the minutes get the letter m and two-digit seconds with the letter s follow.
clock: 12h17
